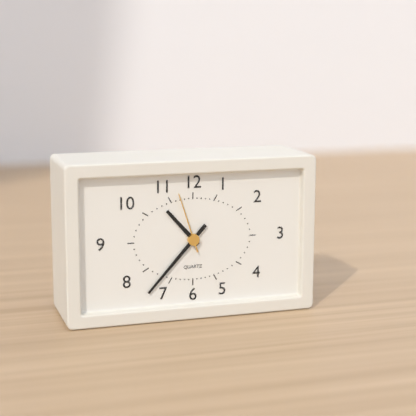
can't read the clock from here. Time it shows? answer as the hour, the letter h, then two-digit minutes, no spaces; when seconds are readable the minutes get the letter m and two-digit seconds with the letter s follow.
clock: 10h37m57s
